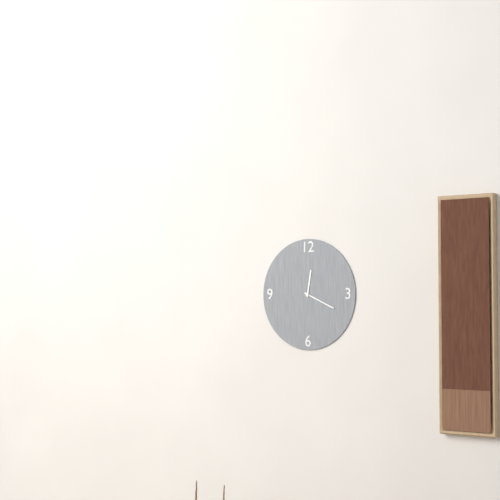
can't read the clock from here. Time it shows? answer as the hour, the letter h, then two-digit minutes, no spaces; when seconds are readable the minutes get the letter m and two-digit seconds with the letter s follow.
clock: 12h19
